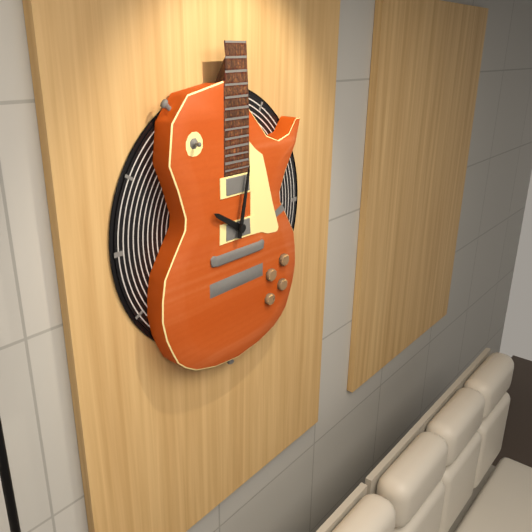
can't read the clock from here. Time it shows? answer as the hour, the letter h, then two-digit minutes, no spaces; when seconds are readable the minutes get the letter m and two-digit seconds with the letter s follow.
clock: 10h02
